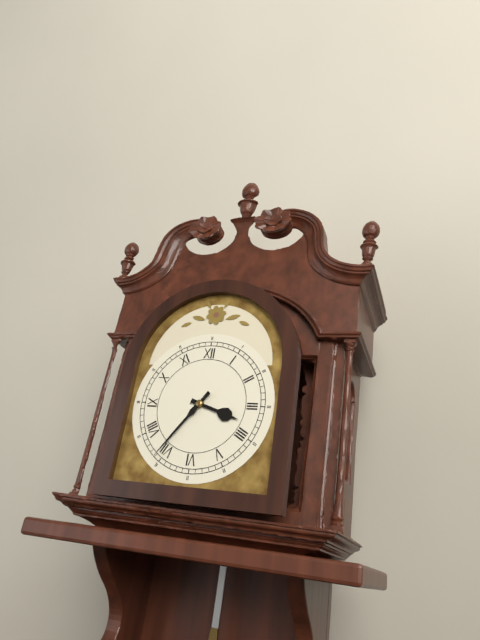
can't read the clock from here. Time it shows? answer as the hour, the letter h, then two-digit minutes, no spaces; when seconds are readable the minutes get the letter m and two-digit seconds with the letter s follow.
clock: 3h36
